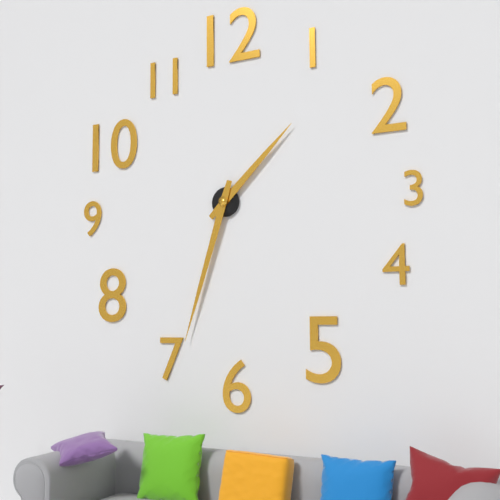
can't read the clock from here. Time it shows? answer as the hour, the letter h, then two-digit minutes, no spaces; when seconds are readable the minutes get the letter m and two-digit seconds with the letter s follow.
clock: 1h33
